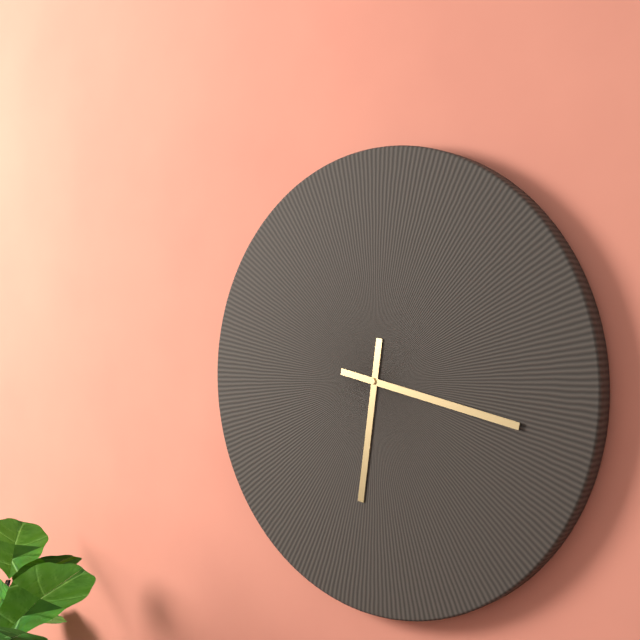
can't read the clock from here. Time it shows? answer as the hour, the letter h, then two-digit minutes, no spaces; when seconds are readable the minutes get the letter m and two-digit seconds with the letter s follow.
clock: 6h17
